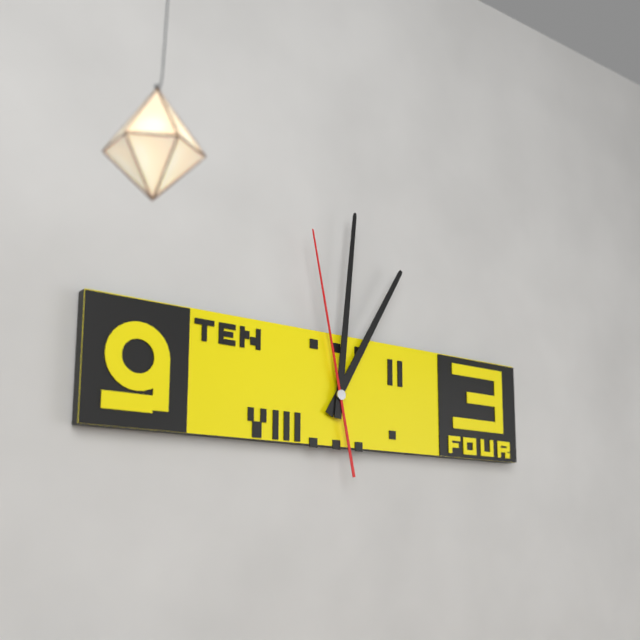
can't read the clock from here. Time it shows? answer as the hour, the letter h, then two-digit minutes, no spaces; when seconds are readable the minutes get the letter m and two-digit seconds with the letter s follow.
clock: 1h01m58s
